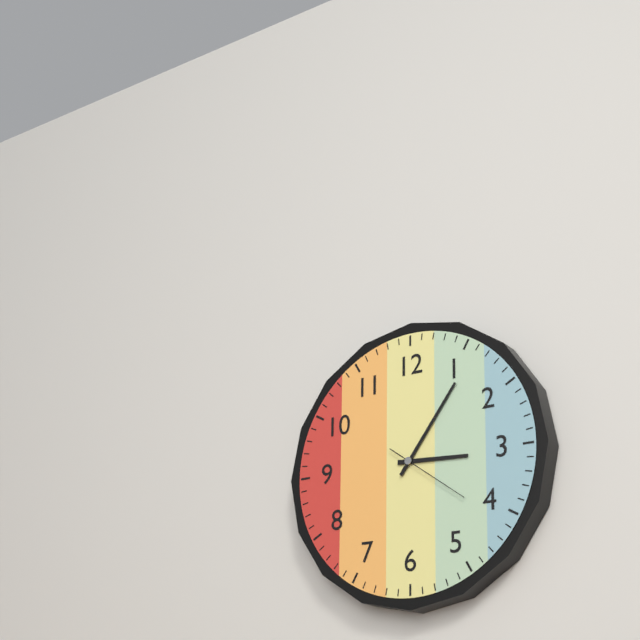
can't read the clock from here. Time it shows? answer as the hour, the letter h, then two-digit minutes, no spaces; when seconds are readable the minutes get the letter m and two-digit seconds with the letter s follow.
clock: 3h06m21s
